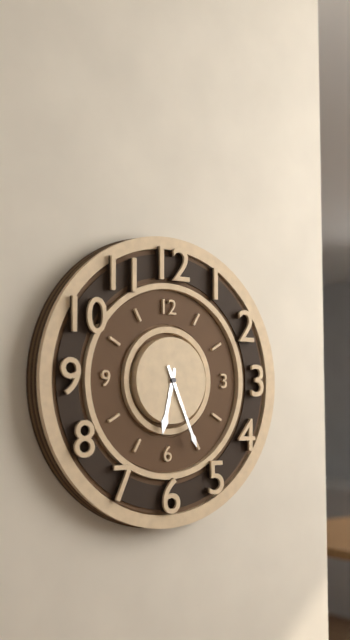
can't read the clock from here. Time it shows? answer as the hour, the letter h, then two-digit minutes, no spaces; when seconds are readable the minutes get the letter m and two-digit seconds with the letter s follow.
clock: 6h26
